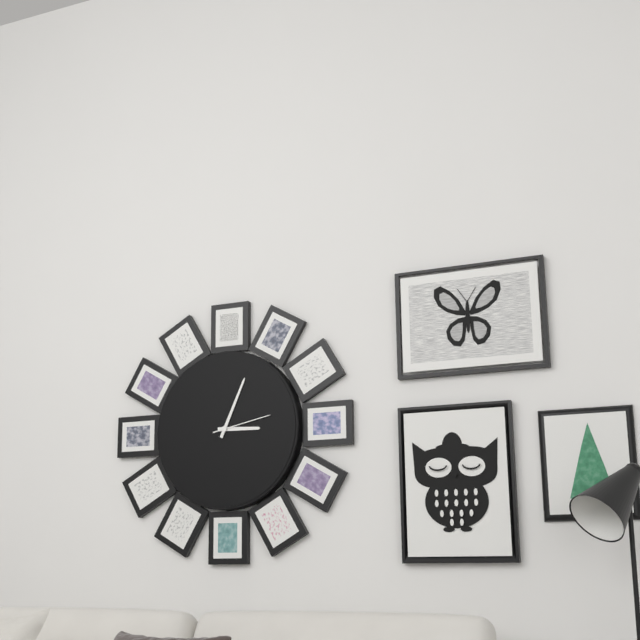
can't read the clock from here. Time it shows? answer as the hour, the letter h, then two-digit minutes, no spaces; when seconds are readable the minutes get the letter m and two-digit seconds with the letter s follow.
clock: 3h04m13s
